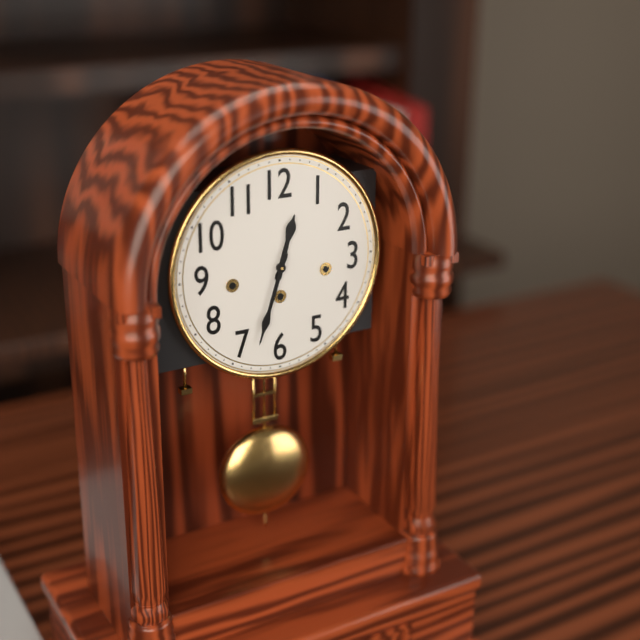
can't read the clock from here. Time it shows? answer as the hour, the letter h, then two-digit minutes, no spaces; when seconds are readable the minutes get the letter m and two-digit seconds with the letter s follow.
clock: 12h33
